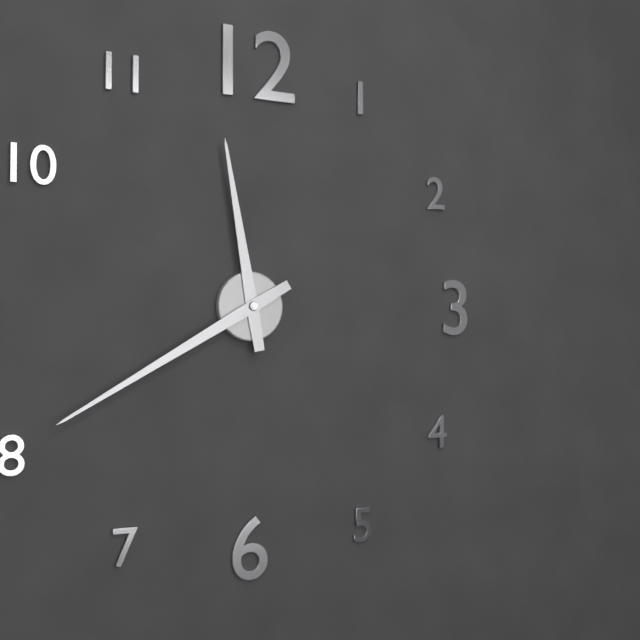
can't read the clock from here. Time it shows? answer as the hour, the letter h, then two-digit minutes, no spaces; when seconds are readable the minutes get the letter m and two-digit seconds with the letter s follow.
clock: 11h40
